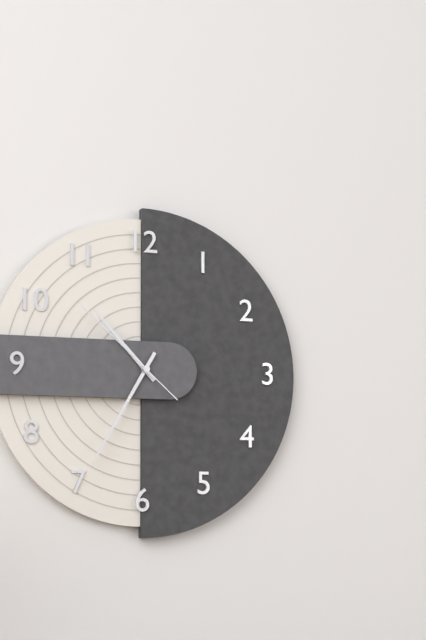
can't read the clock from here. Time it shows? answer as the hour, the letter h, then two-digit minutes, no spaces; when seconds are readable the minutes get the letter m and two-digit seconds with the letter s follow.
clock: 10h35m52s
